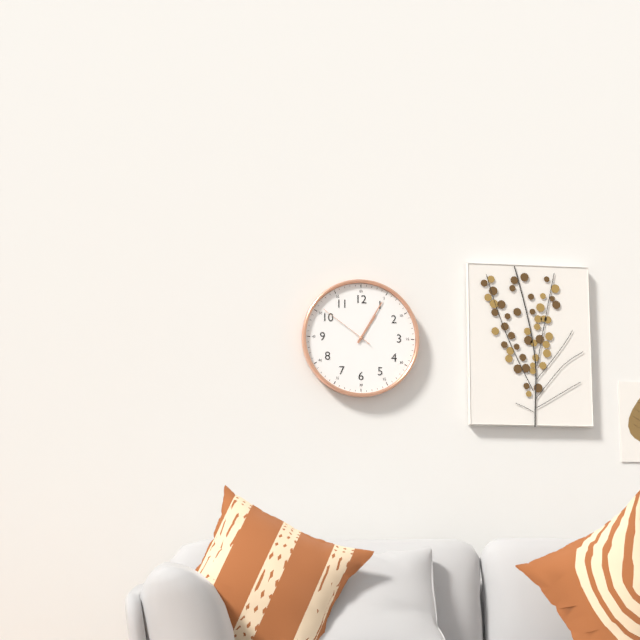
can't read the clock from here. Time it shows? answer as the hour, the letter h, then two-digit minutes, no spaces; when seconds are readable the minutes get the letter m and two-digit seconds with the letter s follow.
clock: 1h05m51s
